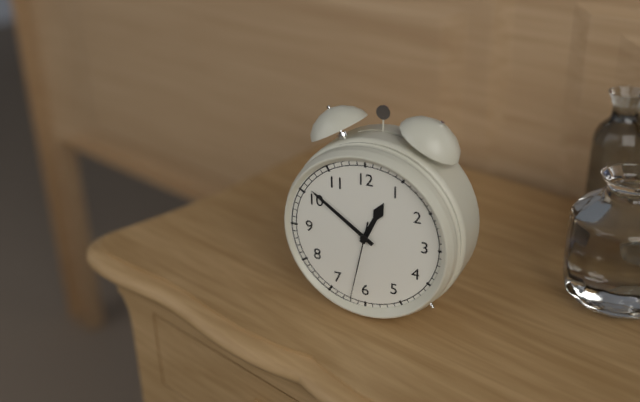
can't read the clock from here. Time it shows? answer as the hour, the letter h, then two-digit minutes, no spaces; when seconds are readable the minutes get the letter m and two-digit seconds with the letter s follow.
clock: 12h51m32s
